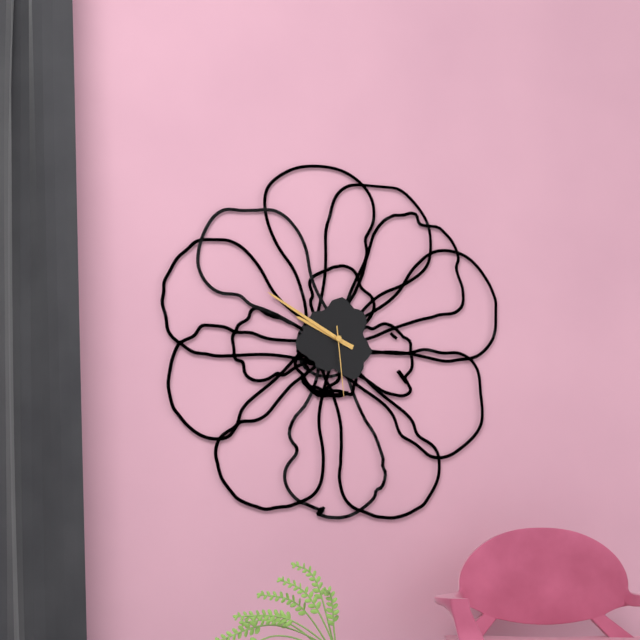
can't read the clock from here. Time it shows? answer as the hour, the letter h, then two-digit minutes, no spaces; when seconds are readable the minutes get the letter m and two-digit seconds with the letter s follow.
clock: 9h50m29s
